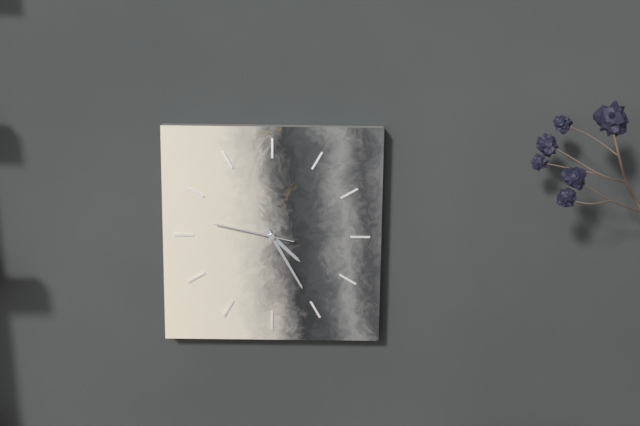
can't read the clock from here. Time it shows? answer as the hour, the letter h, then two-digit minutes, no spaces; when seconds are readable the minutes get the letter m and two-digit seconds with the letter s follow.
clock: 4h25m47s
